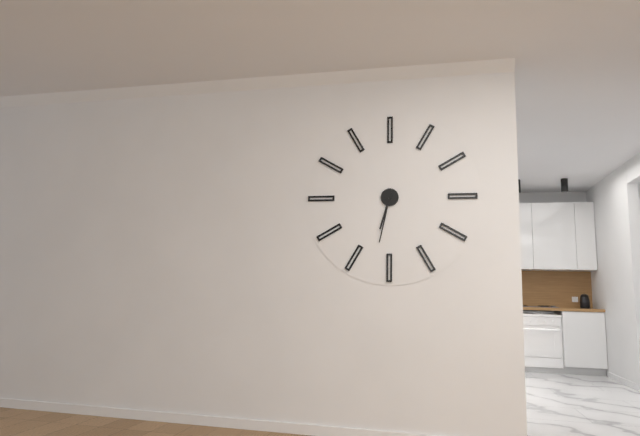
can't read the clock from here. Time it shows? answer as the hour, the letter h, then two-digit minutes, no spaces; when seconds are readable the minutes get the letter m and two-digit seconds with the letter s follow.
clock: 6h32
